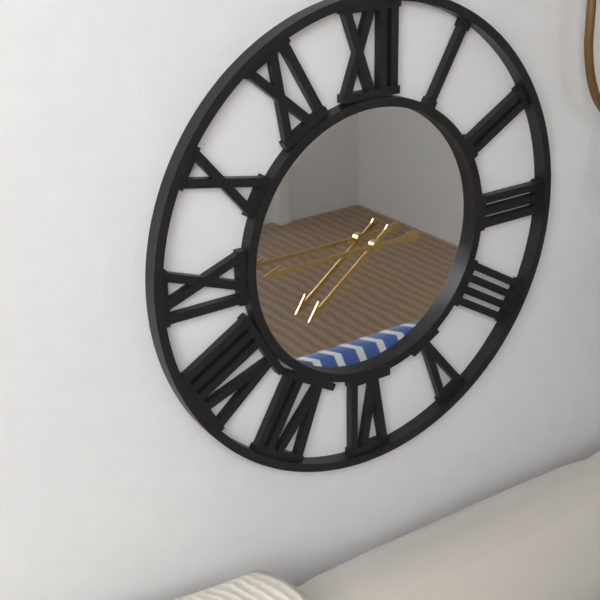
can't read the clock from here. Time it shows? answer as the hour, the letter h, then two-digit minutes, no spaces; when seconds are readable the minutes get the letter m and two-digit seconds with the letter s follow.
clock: 7h45
